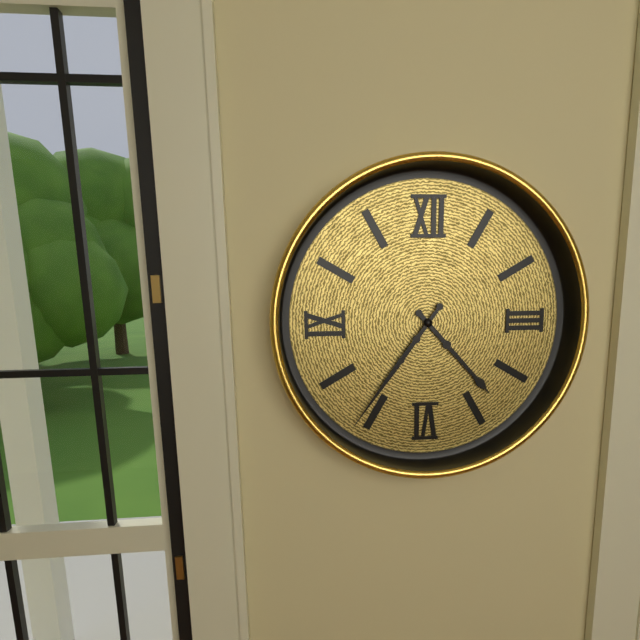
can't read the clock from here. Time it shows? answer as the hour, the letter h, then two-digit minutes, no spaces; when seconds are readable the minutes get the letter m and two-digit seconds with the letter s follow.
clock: 4h36
